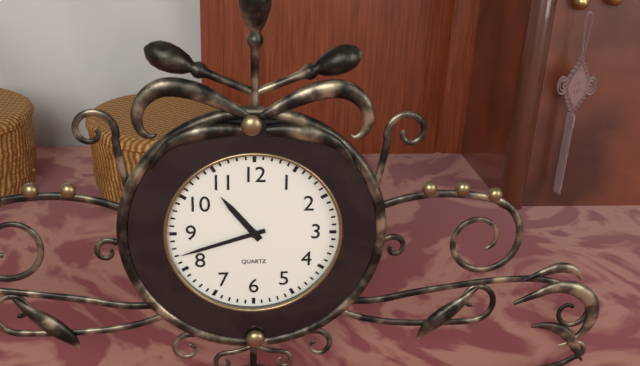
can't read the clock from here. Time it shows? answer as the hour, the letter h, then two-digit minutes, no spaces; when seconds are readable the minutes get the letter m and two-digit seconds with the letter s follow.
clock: 10h42
